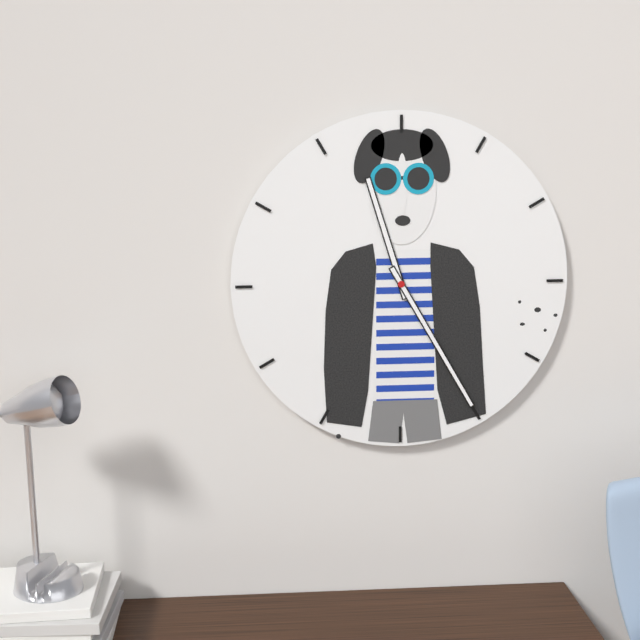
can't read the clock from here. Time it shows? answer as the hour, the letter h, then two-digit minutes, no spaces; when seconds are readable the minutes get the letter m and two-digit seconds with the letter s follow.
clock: 11h25
